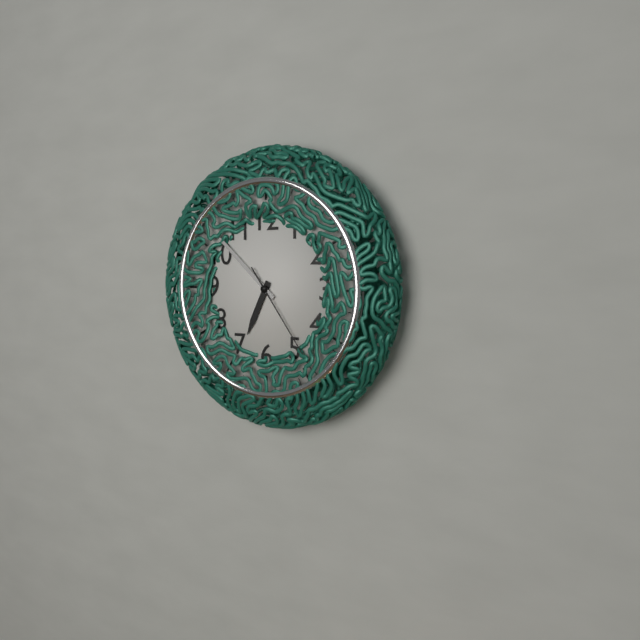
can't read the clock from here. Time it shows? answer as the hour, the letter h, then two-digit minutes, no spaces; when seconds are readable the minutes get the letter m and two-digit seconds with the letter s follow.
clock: 6h52m24s
